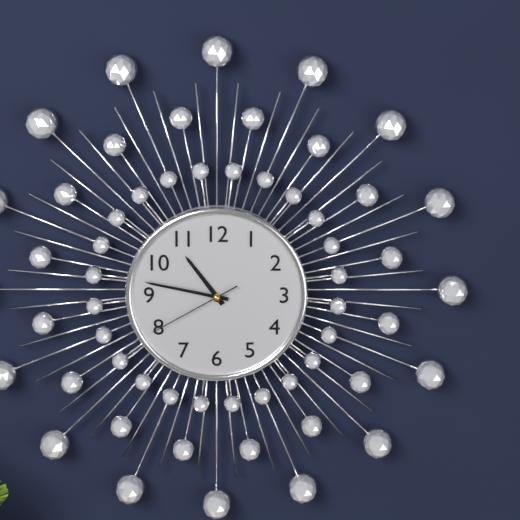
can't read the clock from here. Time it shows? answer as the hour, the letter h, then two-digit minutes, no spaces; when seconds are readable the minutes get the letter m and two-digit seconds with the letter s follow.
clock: 10h47m40s
